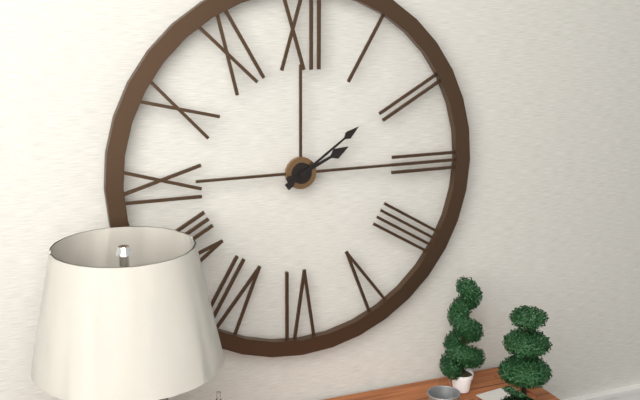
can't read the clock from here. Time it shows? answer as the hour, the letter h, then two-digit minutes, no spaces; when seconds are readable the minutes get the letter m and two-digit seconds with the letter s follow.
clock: 2h09
